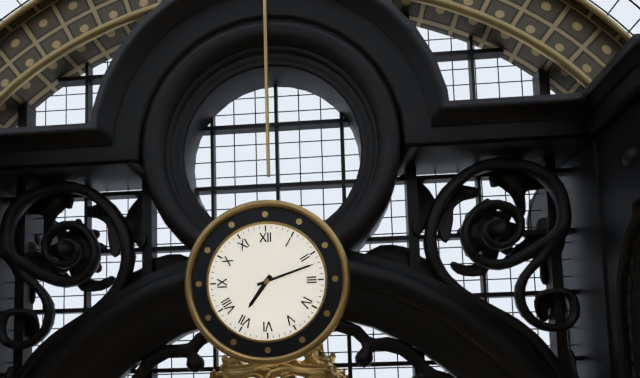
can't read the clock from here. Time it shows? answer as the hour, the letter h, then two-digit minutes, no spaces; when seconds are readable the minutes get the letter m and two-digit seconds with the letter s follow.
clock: 7h12
